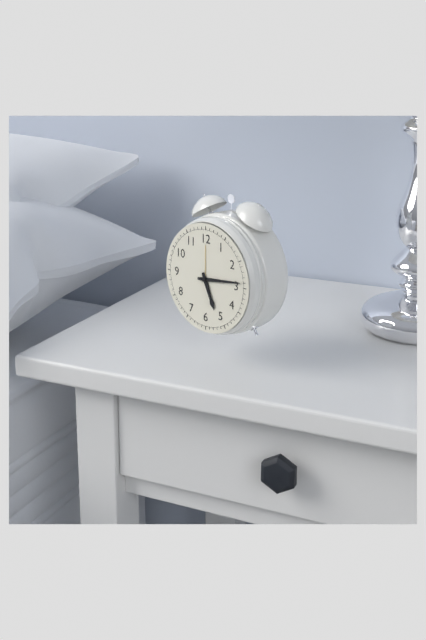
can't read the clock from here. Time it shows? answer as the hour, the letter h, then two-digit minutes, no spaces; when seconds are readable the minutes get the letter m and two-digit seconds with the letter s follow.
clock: 5h14
